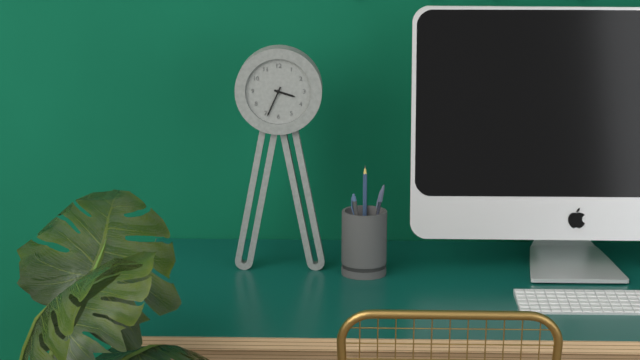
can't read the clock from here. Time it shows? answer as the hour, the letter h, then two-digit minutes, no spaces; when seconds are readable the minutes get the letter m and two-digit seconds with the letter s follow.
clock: 3h34
